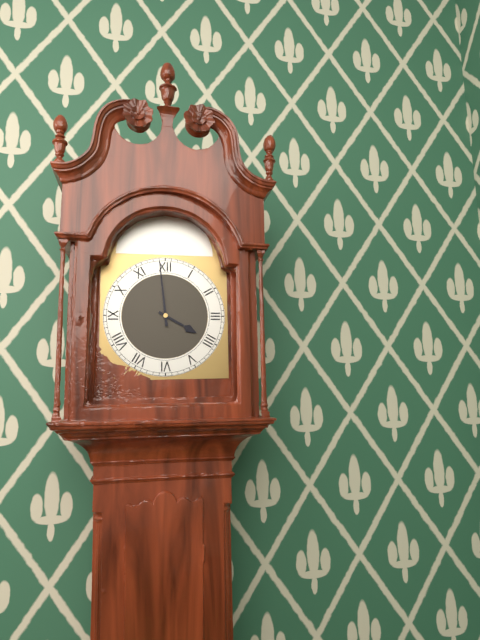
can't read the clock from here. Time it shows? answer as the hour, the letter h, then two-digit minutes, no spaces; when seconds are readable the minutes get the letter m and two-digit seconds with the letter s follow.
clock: 3h59
